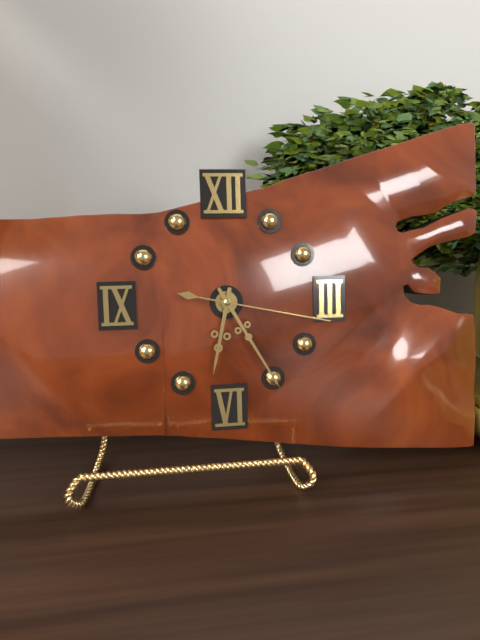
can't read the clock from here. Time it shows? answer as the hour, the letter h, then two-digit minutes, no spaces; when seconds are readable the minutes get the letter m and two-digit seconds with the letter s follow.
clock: 6h25m17s
